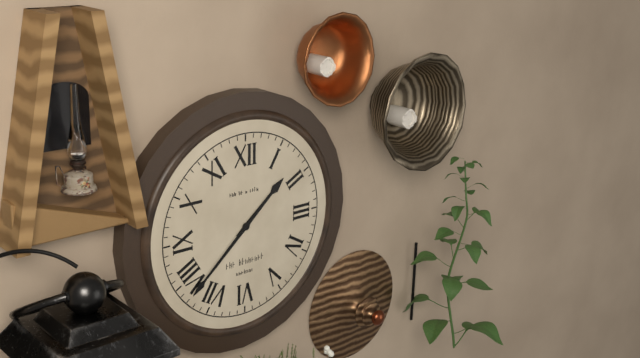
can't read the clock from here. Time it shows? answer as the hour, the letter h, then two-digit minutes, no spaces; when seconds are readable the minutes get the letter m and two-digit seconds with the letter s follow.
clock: 1h38
